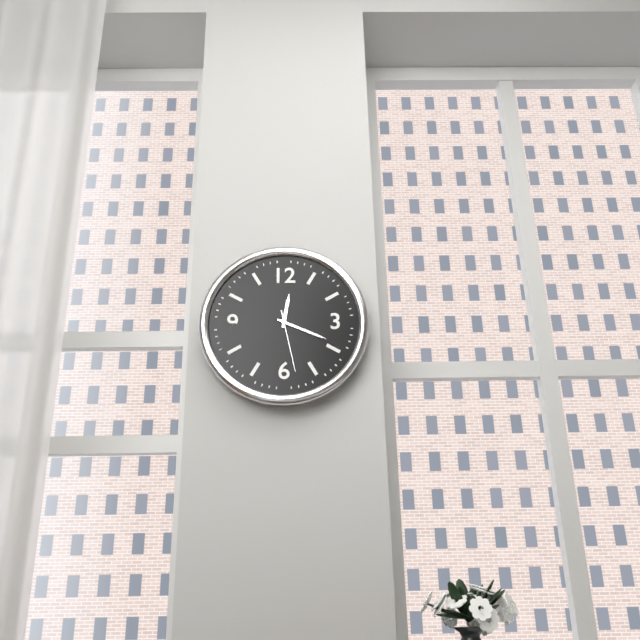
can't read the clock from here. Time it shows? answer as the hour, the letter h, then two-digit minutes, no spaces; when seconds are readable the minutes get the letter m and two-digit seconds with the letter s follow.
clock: 12h19m28s
